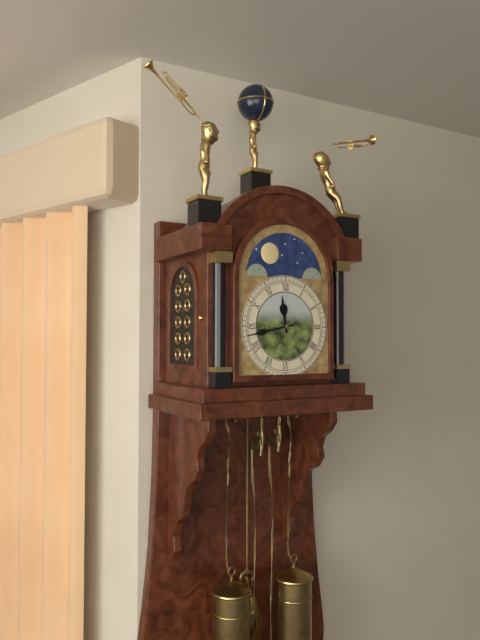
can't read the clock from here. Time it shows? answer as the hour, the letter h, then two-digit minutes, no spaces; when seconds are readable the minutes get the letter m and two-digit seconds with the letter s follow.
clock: 11h43
